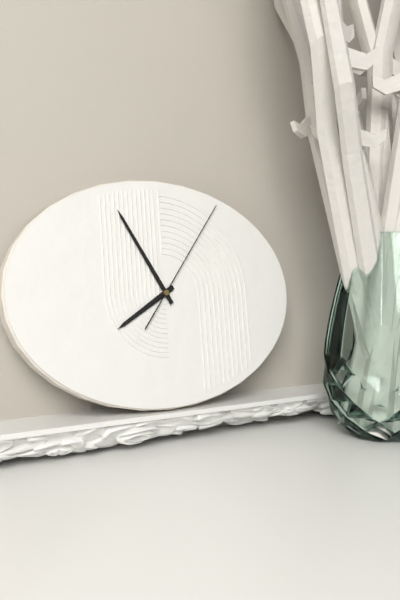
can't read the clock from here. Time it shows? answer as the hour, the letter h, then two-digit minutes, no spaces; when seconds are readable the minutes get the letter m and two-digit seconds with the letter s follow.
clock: 7h55m06s
